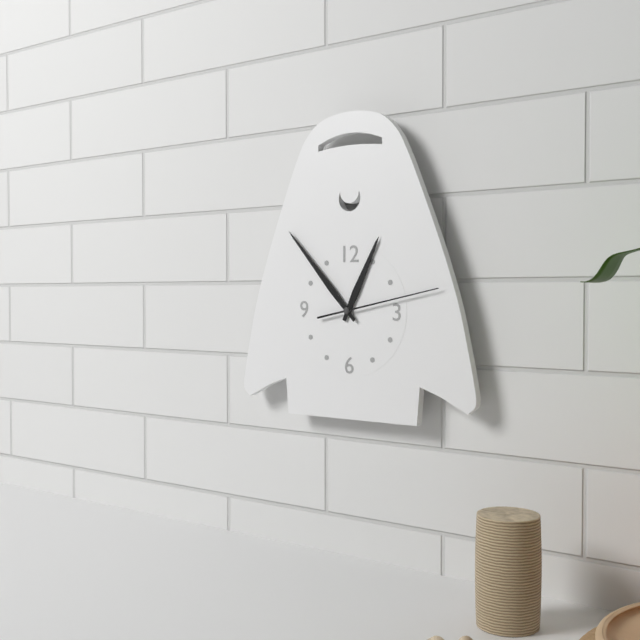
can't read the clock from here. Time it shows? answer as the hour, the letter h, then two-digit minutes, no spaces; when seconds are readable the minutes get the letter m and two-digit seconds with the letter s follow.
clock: 12h53m13s
